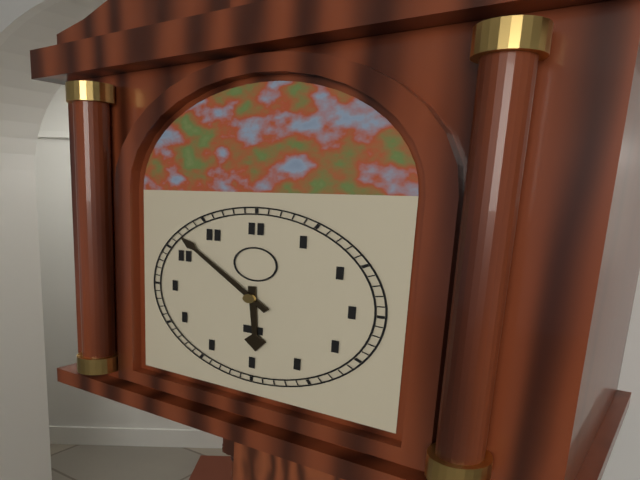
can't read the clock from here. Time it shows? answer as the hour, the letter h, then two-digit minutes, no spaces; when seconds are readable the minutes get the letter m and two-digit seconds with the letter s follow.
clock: 5h52
